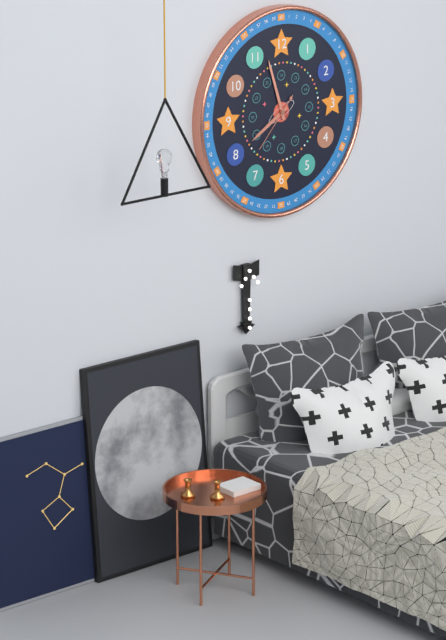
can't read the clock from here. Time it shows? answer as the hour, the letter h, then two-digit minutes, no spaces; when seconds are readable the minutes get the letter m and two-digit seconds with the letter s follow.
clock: 7h57m37s
